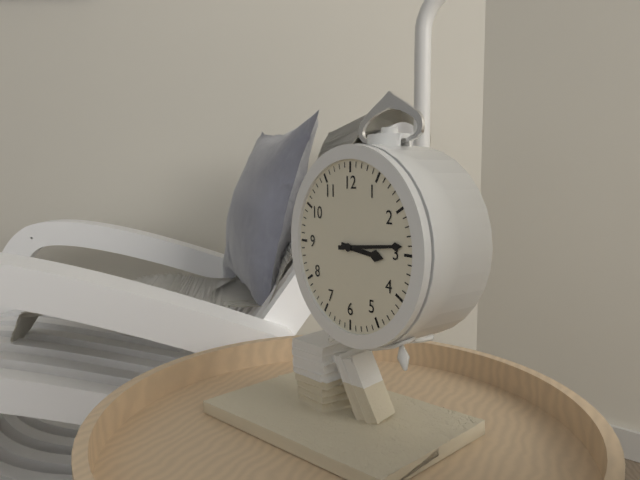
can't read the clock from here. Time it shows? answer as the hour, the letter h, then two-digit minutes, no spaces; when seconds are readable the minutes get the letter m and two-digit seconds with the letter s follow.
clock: 3h14
